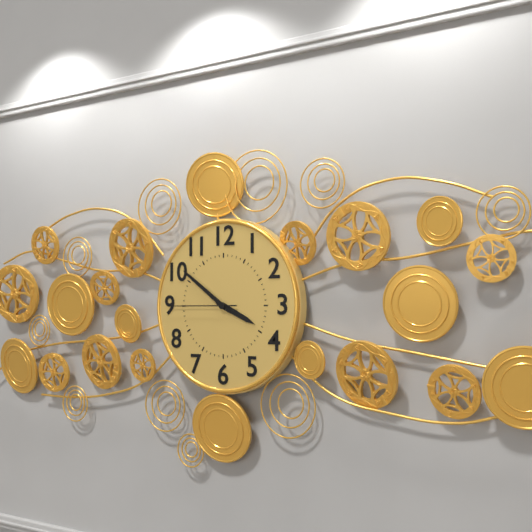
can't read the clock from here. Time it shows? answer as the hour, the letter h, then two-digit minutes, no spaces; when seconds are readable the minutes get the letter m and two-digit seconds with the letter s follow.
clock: 3h51m45s
